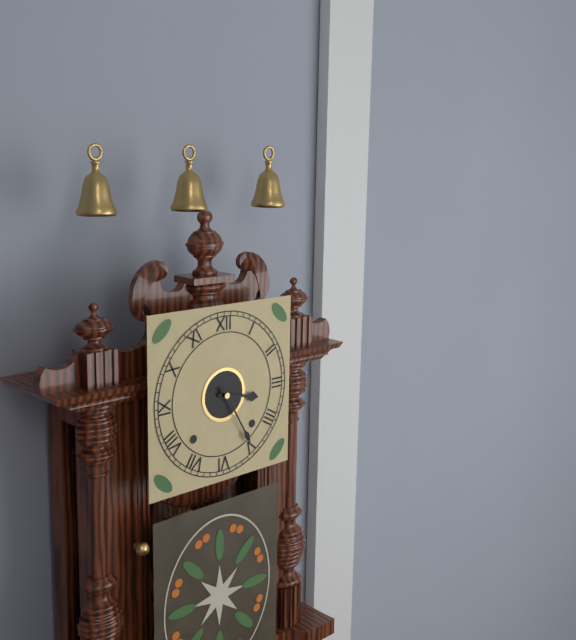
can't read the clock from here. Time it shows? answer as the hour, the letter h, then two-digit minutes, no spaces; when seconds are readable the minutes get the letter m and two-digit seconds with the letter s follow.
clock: 3h25
